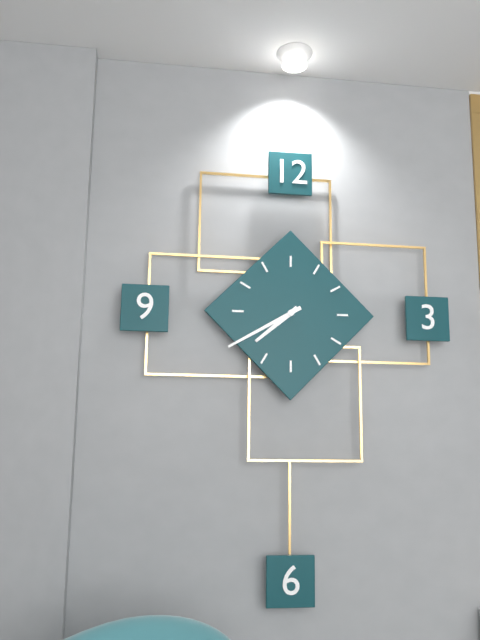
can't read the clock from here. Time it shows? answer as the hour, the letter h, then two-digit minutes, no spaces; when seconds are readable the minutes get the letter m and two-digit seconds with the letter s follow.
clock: 7h40
